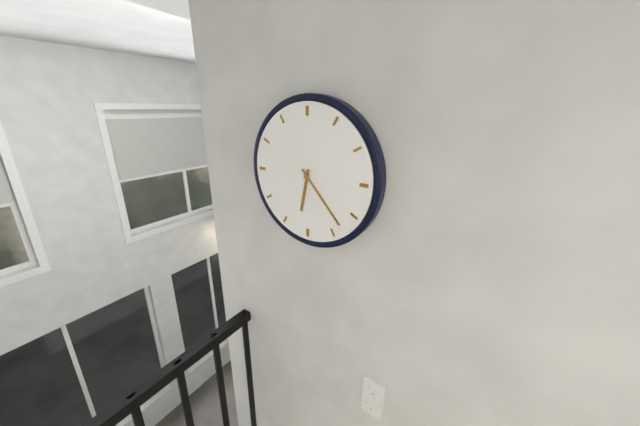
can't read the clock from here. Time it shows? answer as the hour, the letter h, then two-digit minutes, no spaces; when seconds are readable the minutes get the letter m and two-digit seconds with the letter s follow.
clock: 6h23
